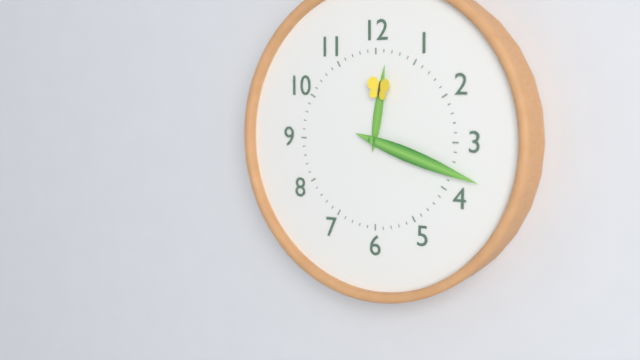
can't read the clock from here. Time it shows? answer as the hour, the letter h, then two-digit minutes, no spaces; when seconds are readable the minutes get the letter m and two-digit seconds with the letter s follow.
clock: 12h18
